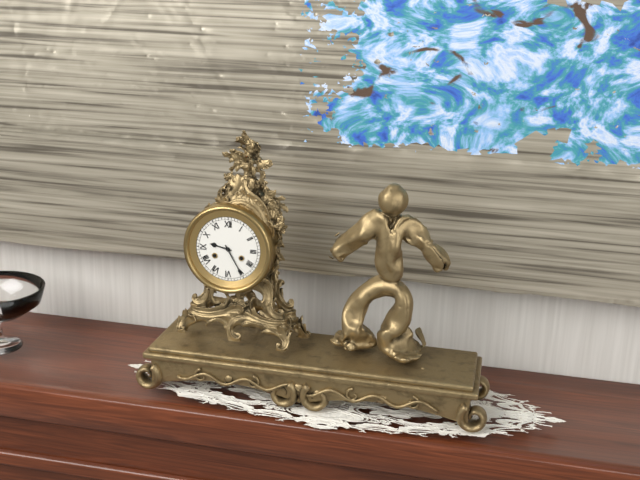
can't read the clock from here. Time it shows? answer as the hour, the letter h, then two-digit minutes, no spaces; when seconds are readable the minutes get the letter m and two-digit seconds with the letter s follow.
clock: 9h25
